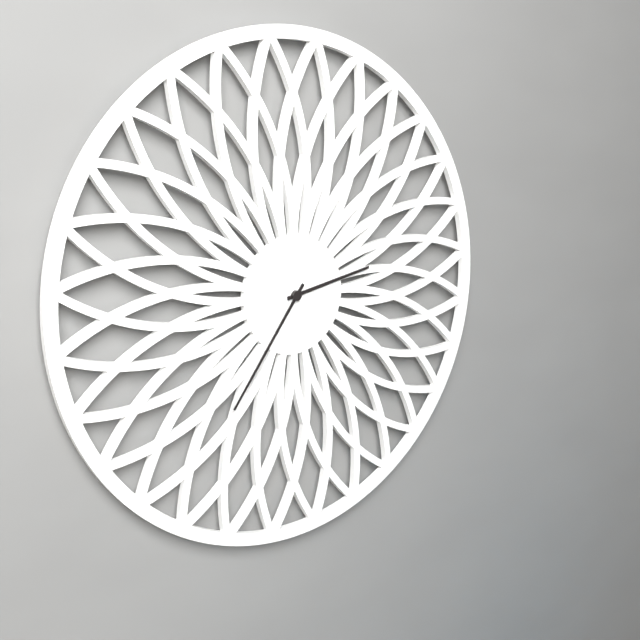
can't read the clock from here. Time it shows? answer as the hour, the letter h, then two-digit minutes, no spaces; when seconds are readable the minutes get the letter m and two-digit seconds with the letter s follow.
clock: 2h36
